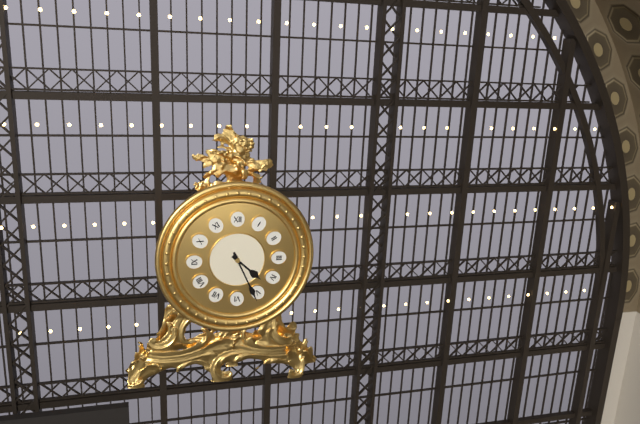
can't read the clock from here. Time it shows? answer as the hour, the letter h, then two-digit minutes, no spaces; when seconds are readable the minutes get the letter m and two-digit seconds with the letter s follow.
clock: 4h26
